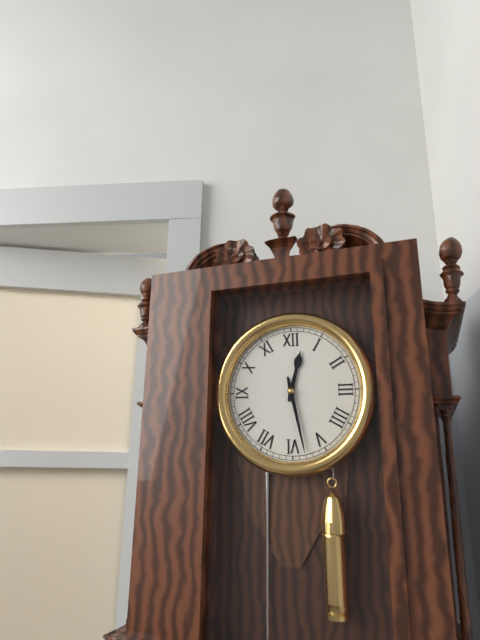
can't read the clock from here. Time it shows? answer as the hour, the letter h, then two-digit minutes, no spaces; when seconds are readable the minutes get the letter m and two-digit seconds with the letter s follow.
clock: 12h28
